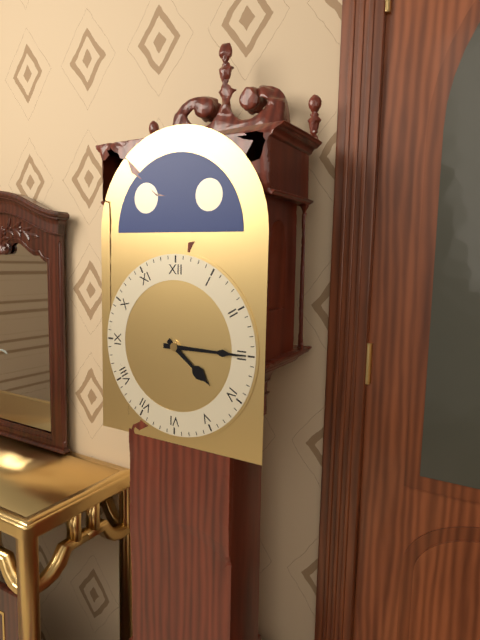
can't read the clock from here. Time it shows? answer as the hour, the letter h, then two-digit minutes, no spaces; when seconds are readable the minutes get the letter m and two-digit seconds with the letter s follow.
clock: 4h15
